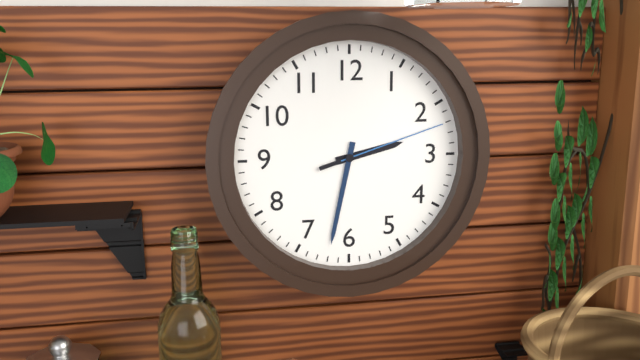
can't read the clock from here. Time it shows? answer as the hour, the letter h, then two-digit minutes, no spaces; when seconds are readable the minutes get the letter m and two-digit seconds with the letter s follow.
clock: 2h32m12s
